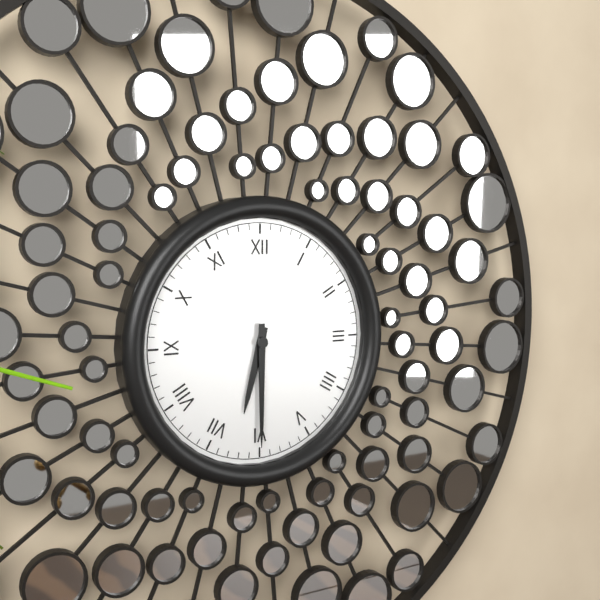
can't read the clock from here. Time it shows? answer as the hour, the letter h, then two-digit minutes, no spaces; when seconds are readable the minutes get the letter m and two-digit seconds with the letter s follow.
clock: 6h30
